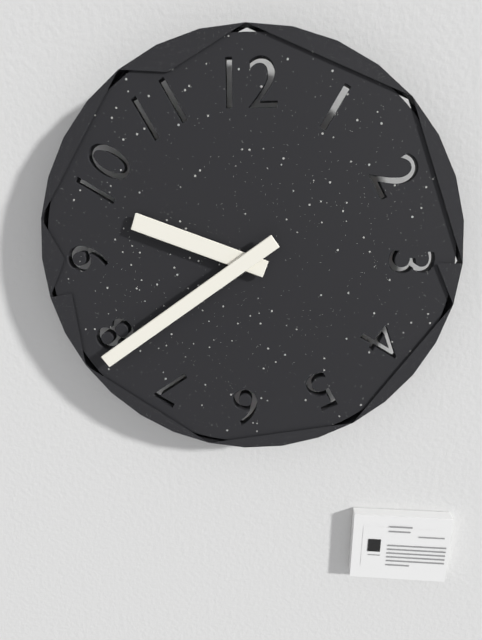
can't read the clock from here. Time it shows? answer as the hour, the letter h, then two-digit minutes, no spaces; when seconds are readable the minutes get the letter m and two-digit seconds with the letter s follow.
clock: 9h39
